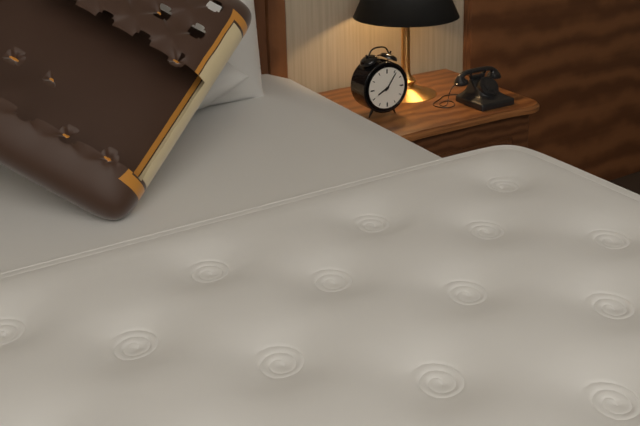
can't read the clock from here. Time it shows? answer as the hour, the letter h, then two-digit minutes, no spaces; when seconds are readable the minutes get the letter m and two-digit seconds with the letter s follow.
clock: 8h06
